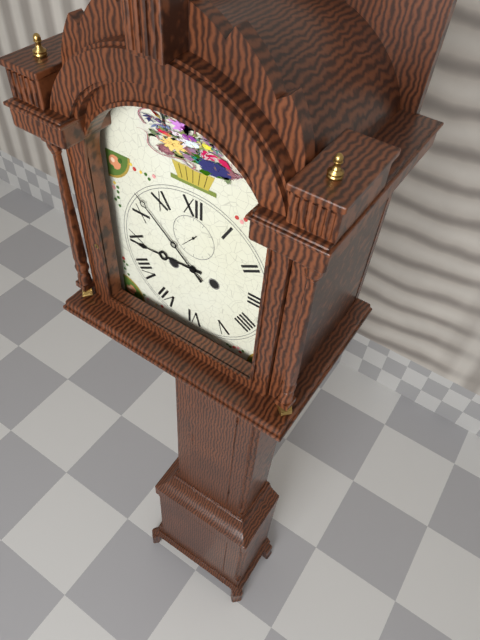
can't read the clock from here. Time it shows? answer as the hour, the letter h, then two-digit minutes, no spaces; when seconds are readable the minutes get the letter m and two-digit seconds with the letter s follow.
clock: 8h52
